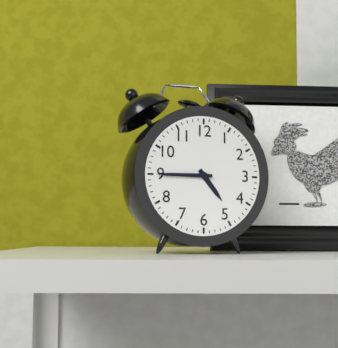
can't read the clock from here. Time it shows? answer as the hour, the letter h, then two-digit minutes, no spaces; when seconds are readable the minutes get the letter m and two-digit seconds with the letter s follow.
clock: 4h45
